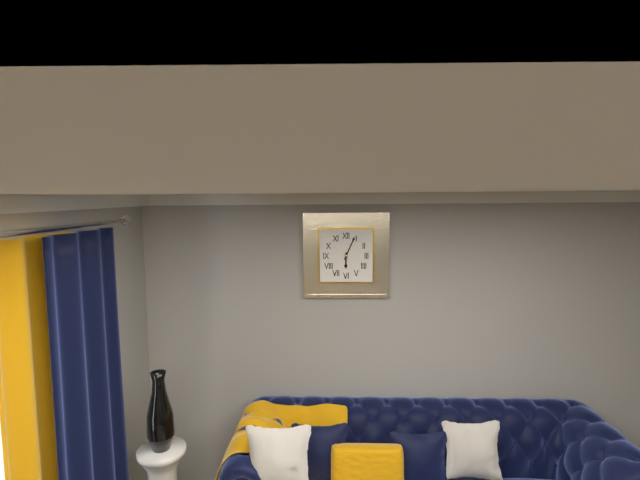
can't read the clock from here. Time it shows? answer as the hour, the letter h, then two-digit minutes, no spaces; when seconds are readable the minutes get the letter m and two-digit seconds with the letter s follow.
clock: 6h04
